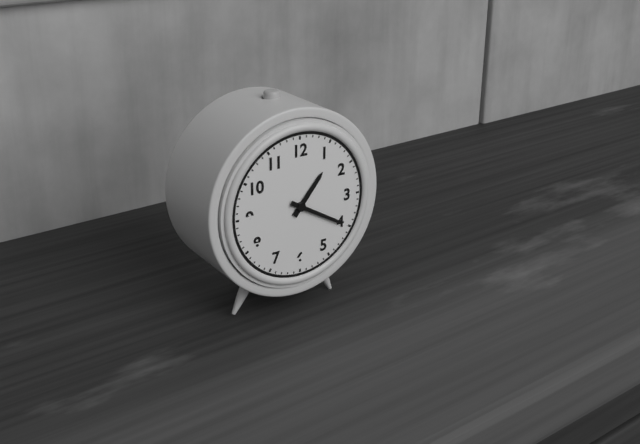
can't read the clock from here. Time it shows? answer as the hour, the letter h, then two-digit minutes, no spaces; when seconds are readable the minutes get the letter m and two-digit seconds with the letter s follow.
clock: 1h20
